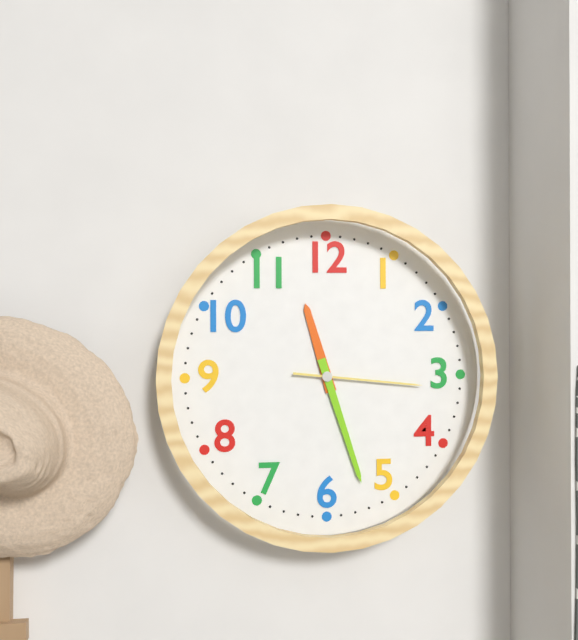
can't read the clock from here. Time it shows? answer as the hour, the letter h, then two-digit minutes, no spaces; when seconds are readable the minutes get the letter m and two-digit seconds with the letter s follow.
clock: 11h27m16s
